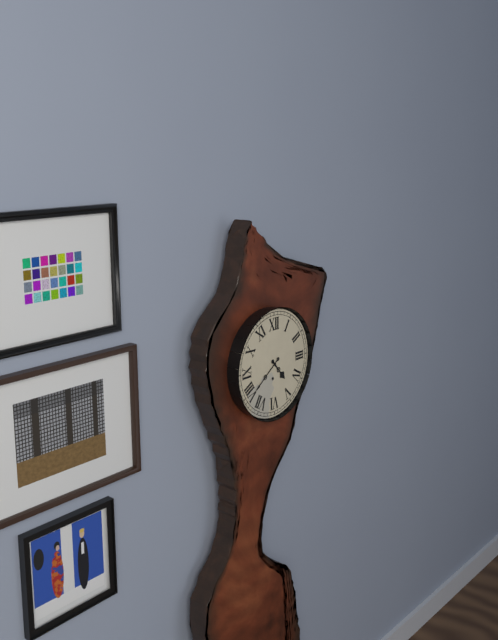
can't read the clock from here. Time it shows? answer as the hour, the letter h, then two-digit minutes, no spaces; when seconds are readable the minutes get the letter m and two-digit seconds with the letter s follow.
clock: 4h39
